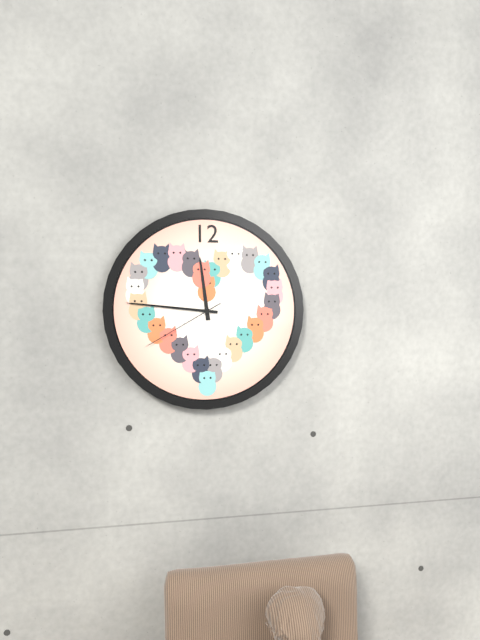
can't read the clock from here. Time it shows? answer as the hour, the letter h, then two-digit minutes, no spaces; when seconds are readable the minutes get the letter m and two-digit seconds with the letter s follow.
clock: 11h46m40s
